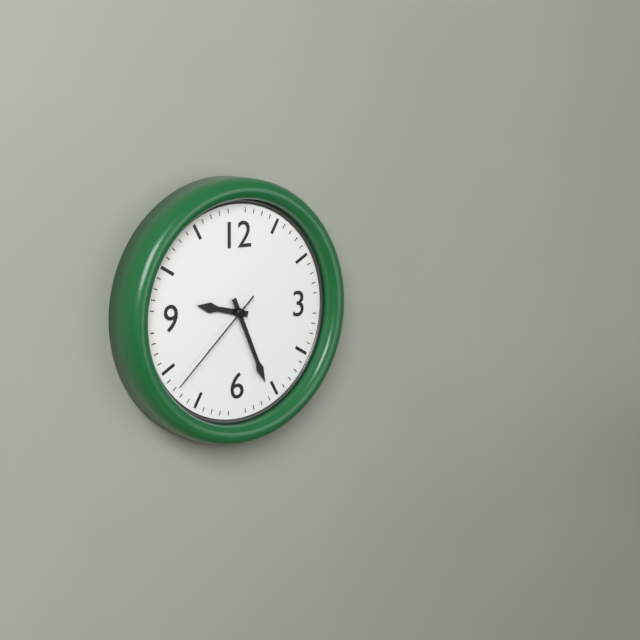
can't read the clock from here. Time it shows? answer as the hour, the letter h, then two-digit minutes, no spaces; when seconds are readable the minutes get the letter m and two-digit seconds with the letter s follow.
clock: 9h26m38s
